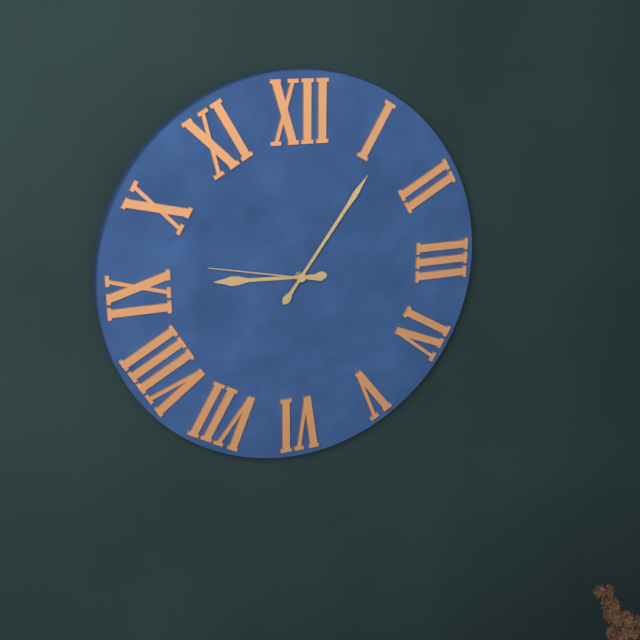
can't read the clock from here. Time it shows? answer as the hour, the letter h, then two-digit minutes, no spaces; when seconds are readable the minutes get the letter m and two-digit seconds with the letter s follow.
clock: 9h06m47s
